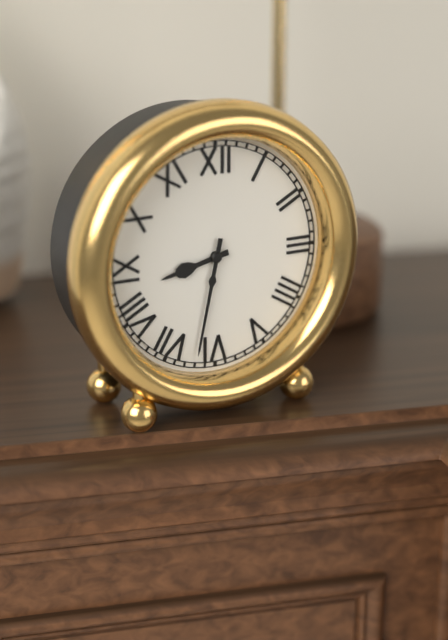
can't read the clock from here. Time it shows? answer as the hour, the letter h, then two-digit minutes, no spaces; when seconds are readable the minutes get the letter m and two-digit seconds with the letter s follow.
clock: 8h32
